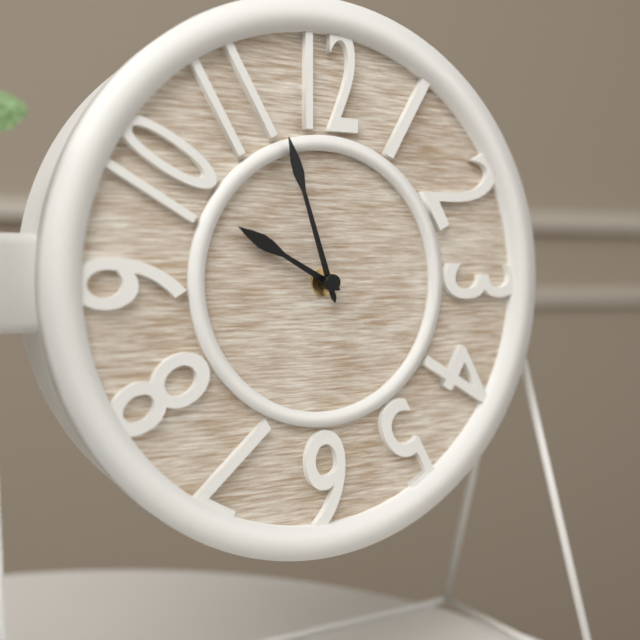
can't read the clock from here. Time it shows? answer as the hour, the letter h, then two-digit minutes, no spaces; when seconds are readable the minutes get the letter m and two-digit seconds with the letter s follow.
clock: 9h57
